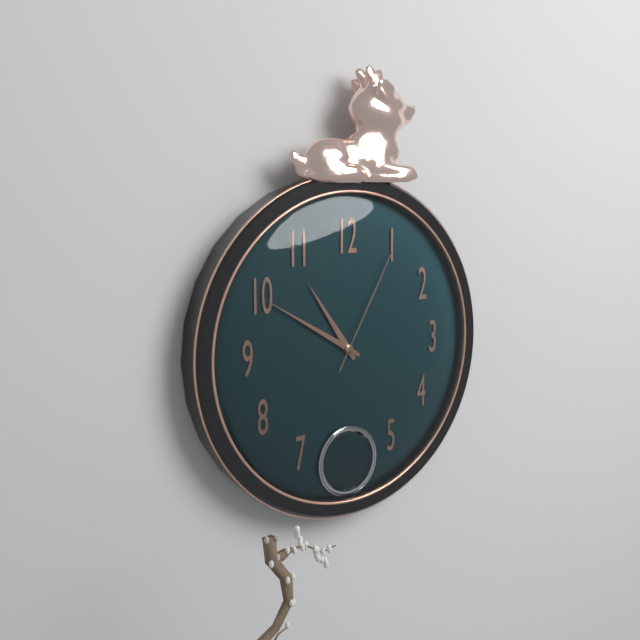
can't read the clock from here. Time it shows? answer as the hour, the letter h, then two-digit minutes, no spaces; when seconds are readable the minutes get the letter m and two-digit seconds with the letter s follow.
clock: 10h50m05s
